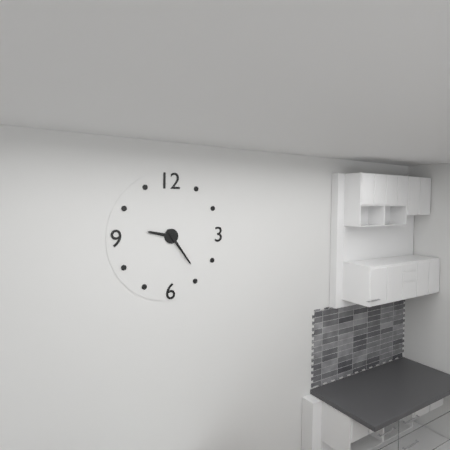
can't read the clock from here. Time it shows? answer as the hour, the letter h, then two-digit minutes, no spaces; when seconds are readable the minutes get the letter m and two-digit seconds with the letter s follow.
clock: 9h24
